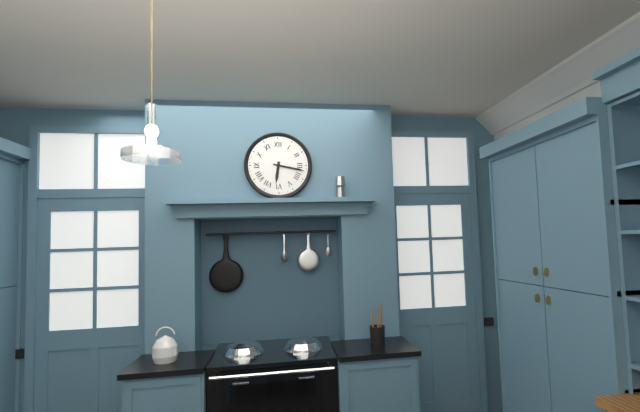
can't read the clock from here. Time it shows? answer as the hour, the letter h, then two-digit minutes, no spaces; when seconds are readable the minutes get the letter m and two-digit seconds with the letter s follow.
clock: 6h17
